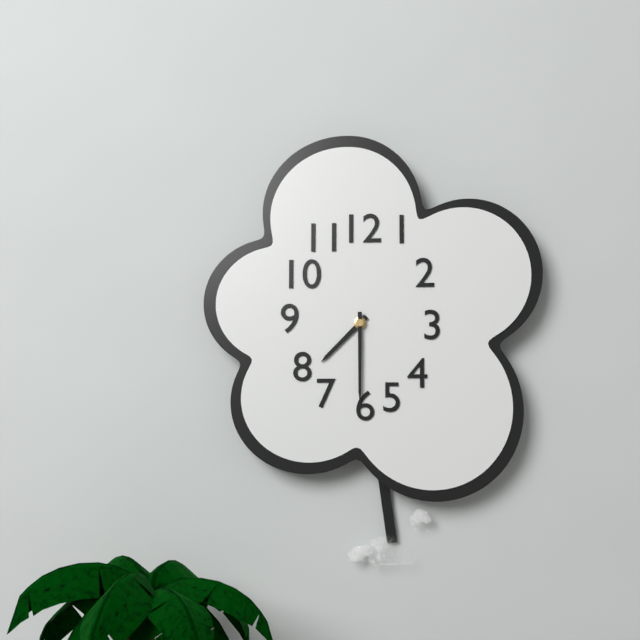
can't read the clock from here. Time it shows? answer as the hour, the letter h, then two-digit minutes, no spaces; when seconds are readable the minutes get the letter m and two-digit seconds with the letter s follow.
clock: 7h30
